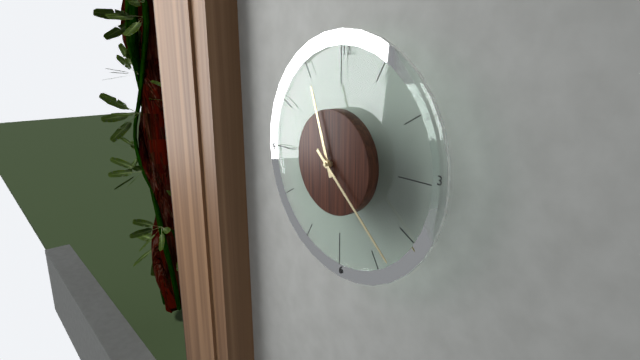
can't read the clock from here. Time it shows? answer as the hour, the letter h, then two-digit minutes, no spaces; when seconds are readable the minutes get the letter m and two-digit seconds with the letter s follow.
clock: 11h22
